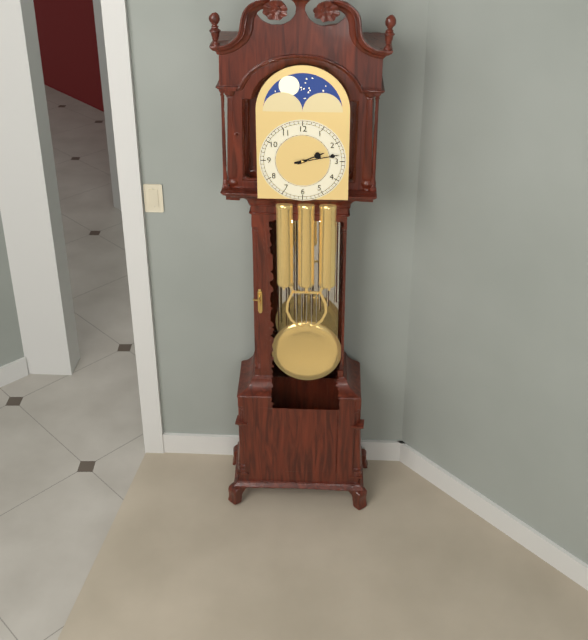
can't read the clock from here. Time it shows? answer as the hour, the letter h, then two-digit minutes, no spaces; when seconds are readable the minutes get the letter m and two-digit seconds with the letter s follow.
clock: 2h13
